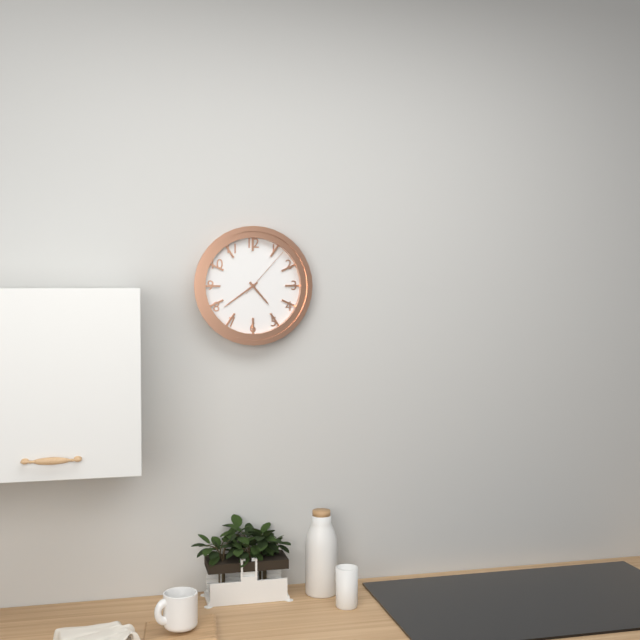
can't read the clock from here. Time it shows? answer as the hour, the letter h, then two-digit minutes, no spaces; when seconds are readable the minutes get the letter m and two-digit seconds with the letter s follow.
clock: 4h39m07s
